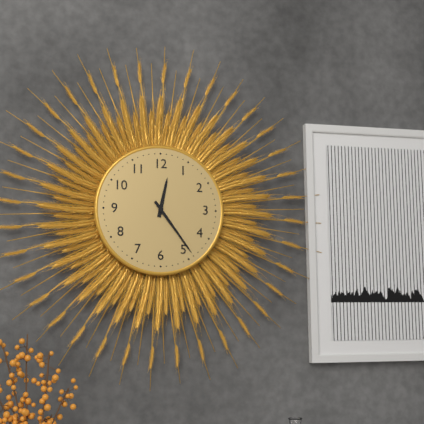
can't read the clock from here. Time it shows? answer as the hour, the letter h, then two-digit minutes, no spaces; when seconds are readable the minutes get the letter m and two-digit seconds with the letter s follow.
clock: 12h24
